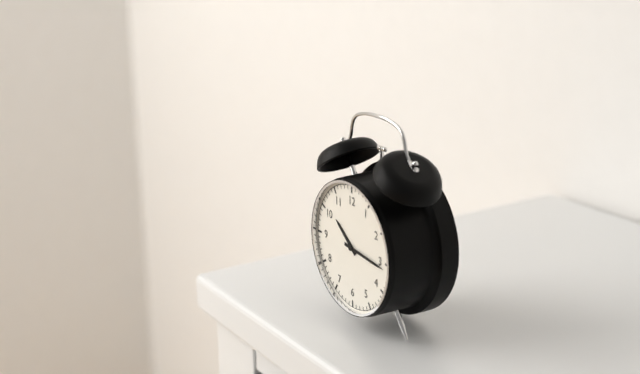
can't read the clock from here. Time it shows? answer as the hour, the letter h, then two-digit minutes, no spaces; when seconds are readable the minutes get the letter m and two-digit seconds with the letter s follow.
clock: 10h16
